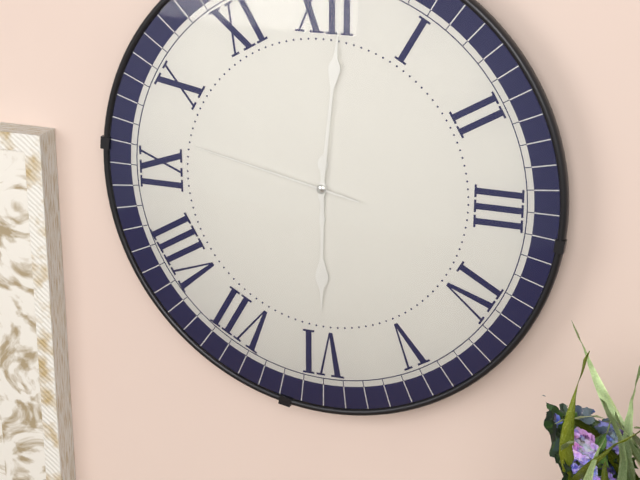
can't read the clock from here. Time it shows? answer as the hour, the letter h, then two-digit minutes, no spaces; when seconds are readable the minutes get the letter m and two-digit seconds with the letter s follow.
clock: 6h01m47s
